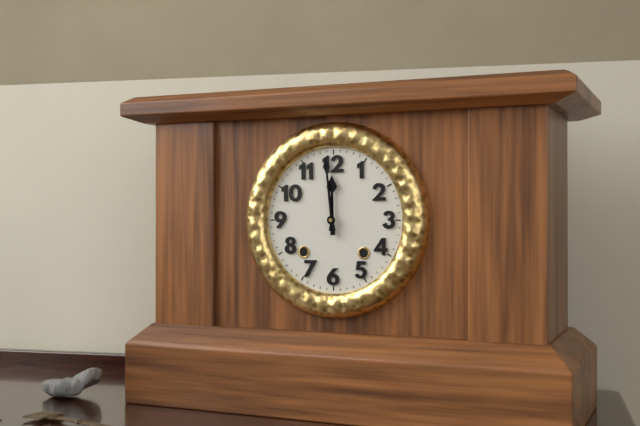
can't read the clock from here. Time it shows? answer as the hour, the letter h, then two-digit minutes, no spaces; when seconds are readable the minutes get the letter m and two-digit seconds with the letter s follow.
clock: 11h59
